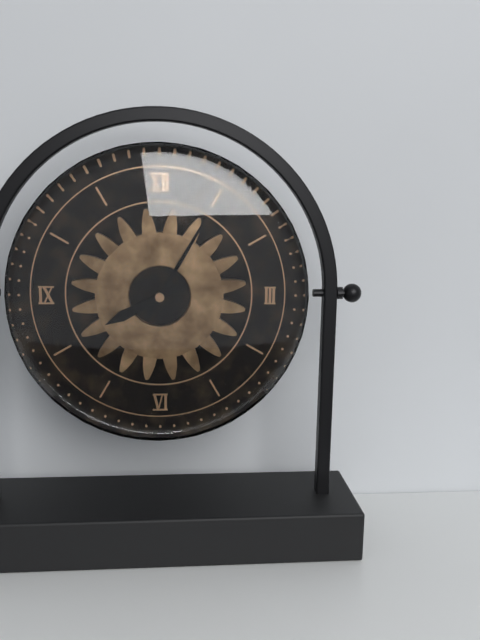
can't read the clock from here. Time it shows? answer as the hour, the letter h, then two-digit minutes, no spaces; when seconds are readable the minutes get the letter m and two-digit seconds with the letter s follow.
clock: 8h05
